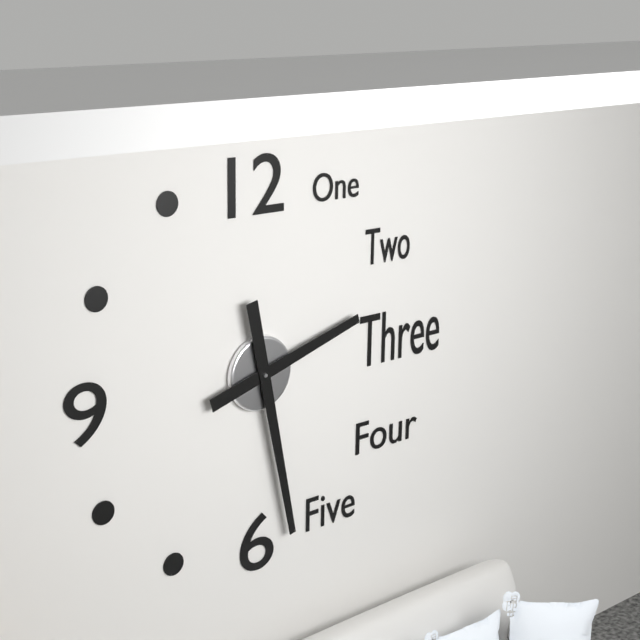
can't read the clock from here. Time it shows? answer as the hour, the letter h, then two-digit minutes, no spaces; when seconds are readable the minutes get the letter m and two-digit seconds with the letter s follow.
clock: 2h28
